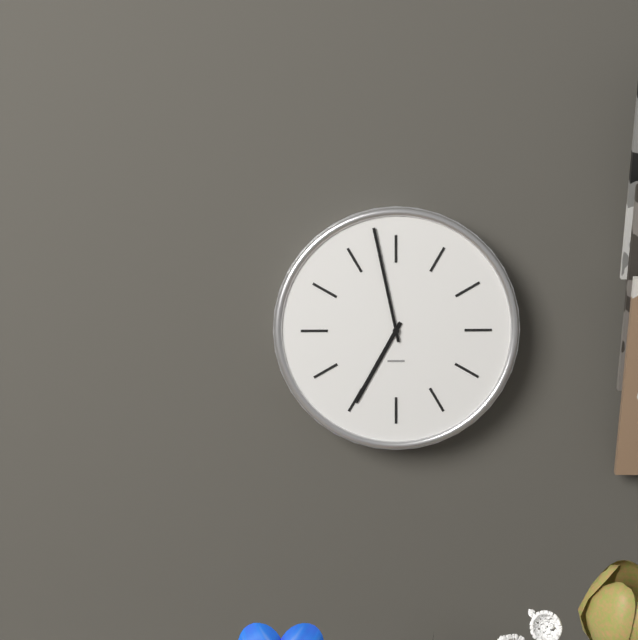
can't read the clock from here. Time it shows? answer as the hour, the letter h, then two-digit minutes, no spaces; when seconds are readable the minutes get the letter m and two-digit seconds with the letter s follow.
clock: 6h58
